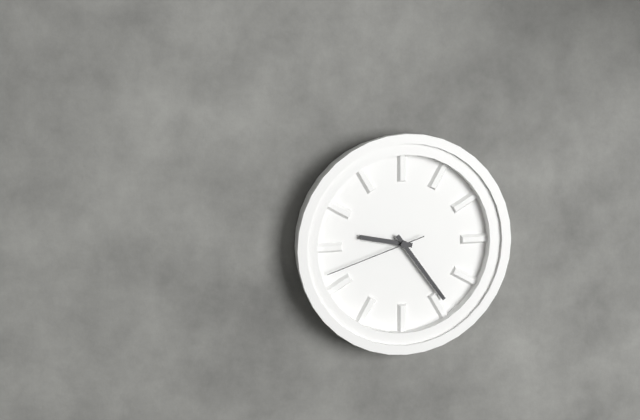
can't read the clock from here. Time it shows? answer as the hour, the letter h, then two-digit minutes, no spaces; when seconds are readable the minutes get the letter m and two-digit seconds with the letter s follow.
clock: 9h24m42s
